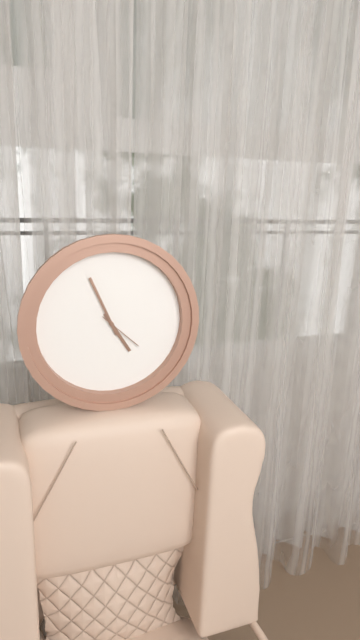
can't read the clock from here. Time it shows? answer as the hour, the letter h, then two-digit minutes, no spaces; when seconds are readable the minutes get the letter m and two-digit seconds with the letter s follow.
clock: 4h56
